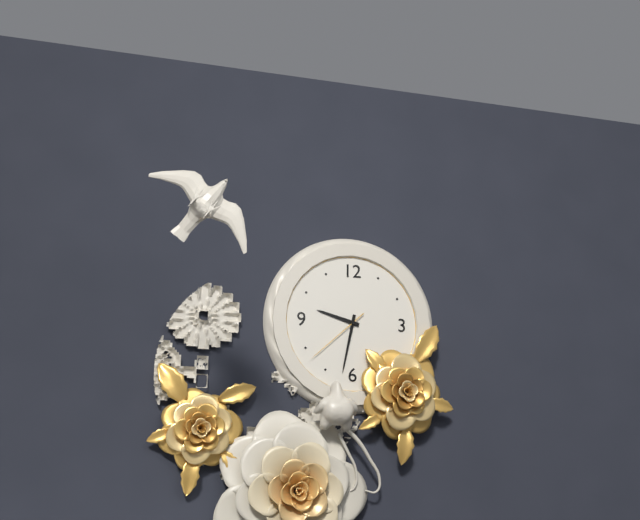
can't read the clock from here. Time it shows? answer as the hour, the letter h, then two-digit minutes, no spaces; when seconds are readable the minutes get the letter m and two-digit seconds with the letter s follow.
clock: 9h32m38s
